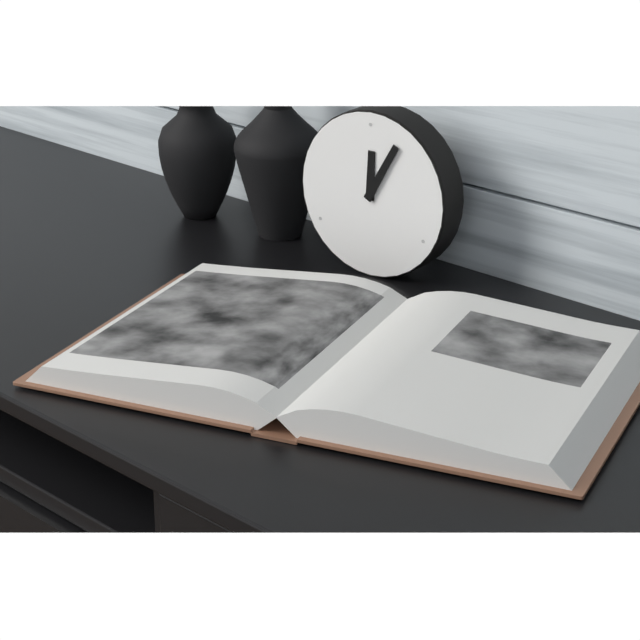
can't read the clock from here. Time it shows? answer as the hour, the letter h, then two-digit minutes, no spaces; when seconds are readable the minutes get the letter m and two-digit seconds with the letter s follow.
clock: 12h05
